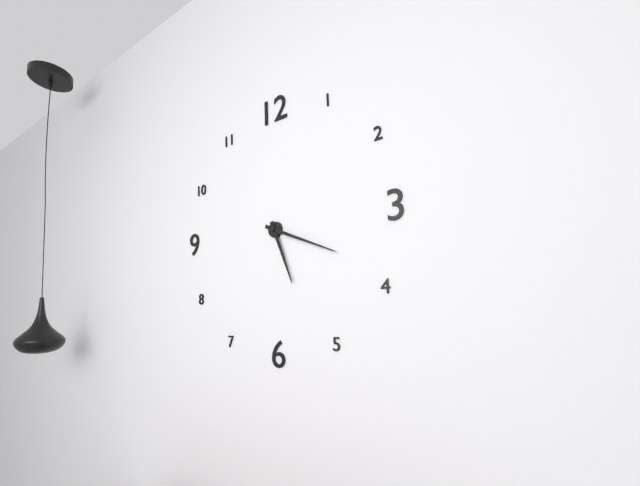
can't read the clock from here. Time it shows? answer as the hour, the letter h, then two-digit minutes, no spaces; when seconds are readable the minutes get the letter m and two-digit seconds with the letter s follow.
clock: 5h19
